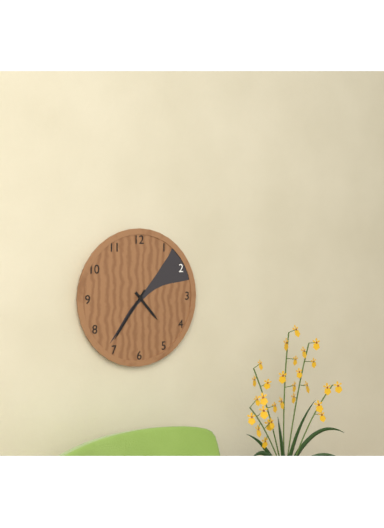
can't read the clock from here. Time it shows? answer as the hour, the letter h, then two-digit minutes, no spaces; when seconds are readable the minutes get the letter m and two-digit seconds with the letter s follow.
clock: 4h36
